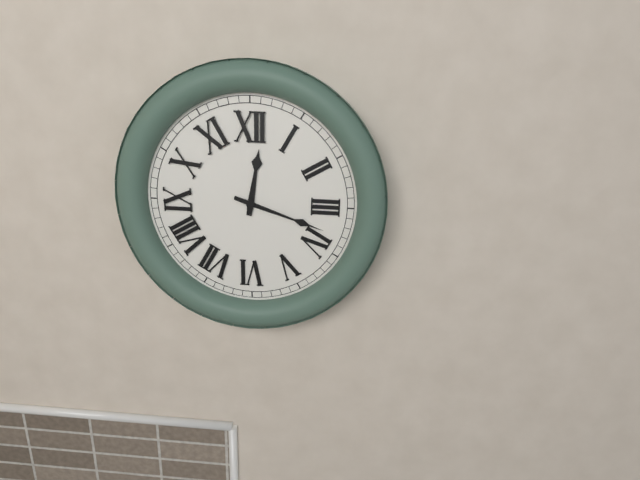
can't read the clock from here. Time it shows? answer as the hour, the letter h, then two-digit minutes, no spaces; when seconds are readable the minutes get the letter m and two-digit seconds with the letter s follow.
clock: 12h18
